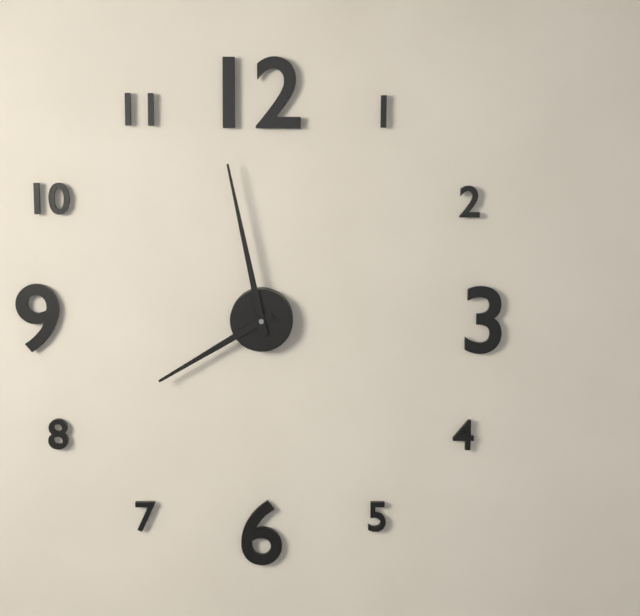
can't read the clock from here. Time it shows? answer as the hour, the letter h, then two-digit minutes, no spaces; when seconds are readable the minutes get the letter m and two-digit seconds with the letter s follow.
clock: 7h58
